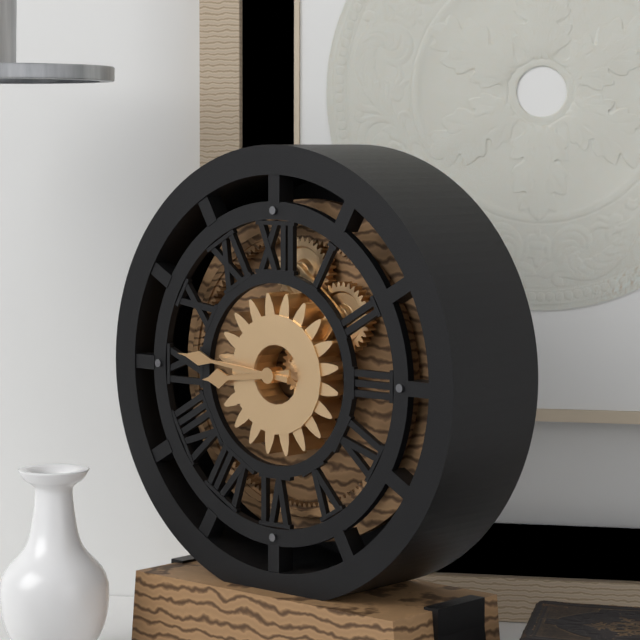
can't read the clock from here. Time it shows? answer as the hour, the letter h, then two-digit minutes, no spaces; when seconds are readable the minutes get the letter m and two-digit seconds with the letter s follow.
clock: 8h46
